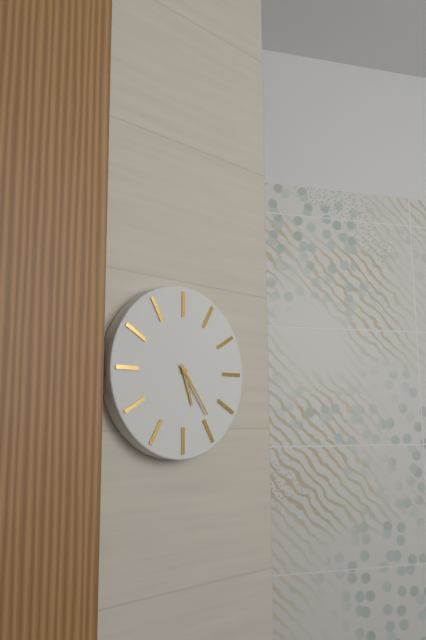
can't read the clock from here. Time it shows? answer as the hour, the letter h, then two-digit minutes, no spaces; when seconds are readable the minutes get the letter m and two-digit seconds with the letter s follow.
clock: 5h24
